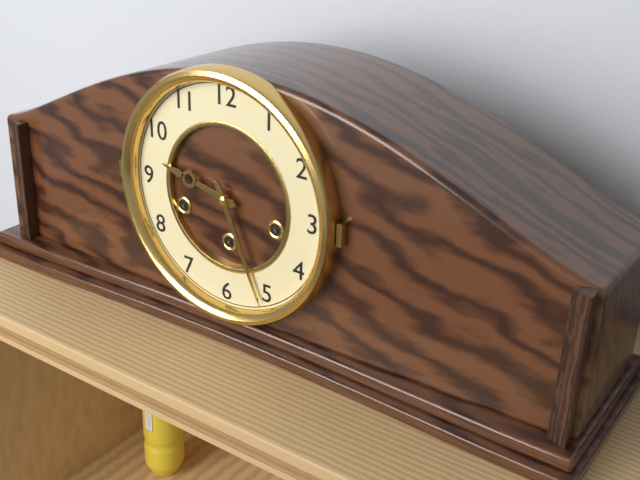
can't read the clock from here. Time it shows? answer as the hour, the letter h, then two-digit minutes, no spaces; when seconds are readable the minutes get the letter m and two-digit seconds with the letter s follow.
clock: 9h26
